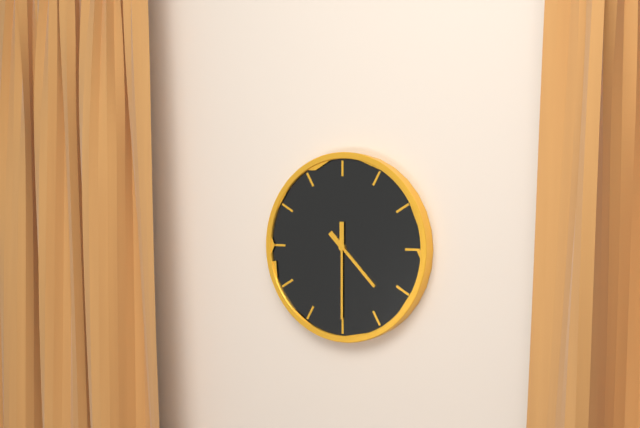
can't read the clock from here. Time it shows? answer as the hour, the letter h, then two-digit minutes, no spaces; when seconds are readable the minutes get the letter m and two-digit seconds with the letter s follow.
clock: 4h30
